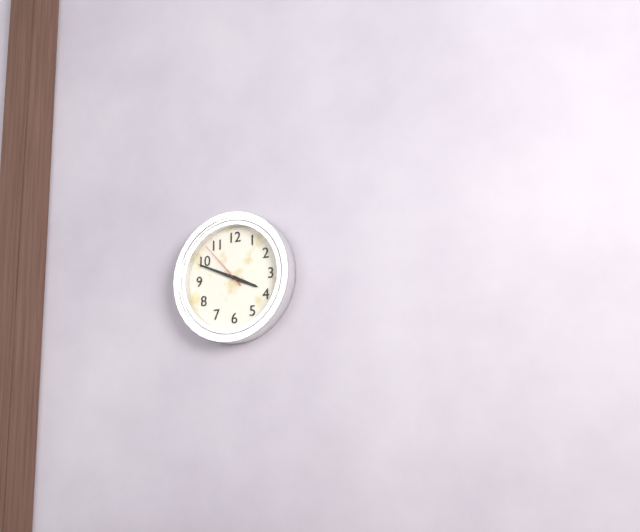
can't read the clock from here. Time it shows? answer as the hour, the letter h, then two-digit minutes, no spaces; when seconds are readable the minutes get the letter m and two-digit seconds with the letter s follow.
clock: 3h49m53s
